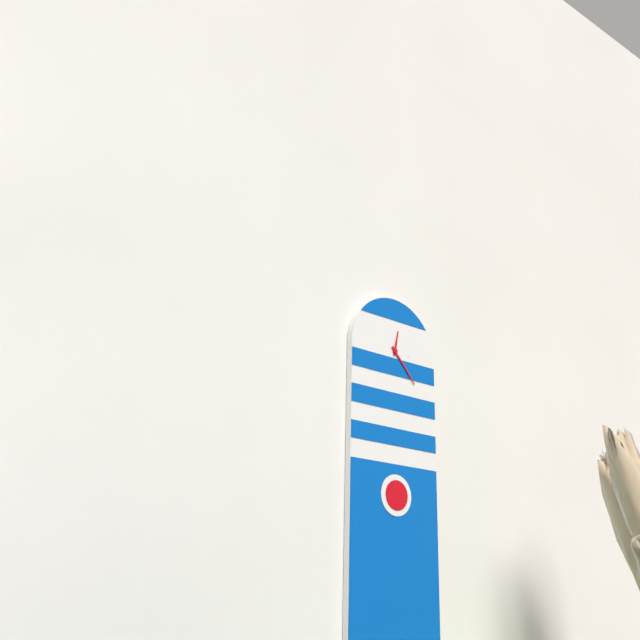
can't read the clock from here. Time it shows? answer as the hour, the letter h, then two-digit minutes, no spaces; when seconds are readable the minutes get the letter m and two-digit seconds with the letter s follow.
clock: 12h23
